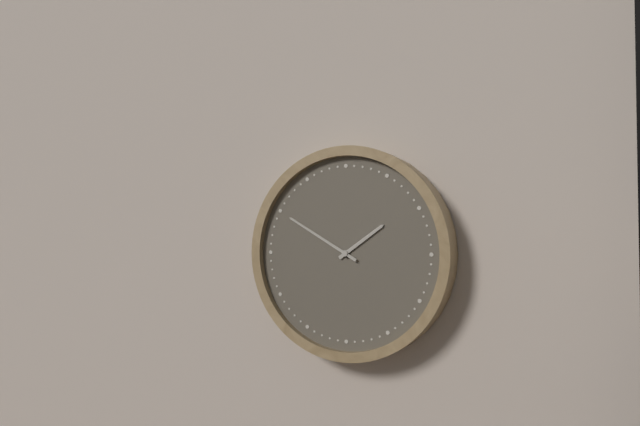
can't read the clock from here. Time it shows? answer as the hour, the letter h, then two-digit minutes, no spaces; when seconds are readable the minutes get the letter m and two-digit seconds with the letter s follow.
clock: 1h50
